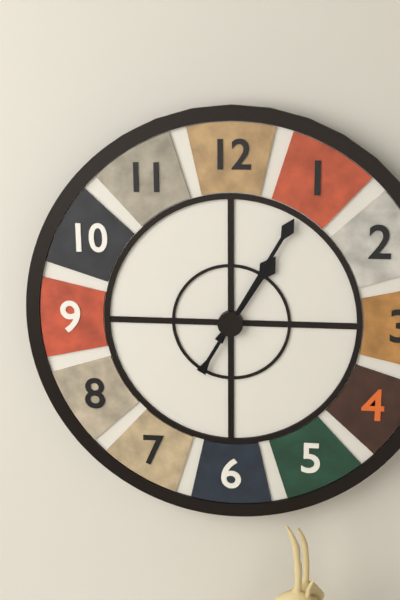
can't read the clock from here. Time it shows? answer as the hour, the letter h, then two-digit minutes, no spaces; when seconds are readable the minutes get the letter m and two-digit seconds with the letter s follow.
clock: 1h05
